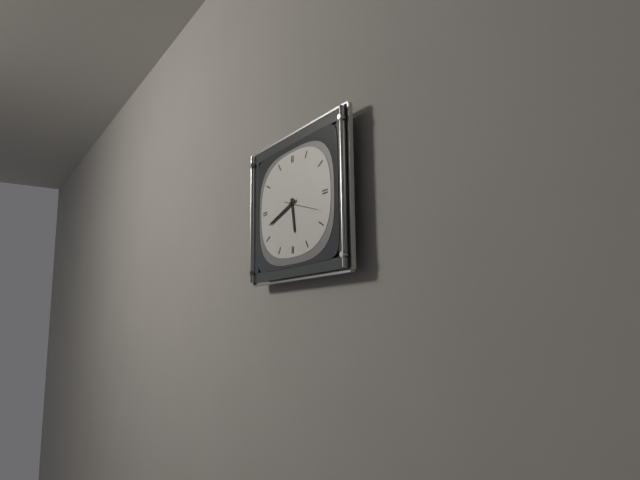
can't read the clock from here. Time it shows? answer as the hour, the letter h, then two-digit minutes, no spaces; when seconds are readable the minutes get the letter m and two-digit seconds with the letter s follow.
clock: 5h42
